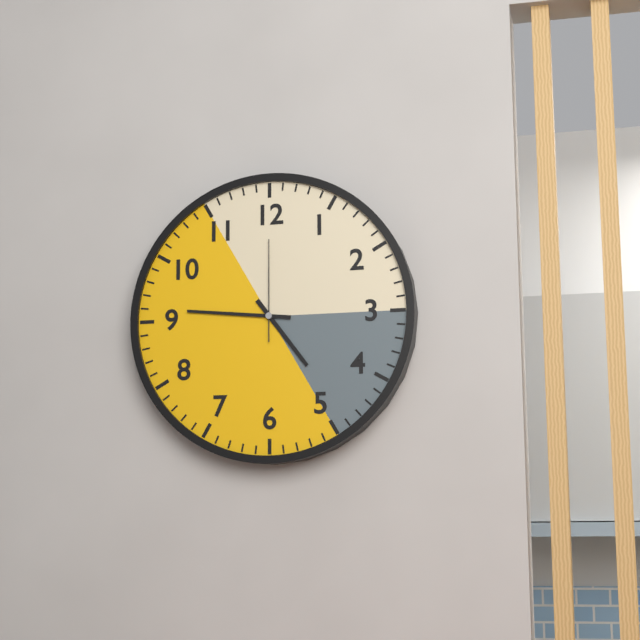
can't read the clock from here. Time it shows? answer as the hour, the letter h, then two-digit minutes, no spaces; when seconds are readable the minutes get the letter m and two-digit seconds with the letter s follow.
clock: 4h46m00s
